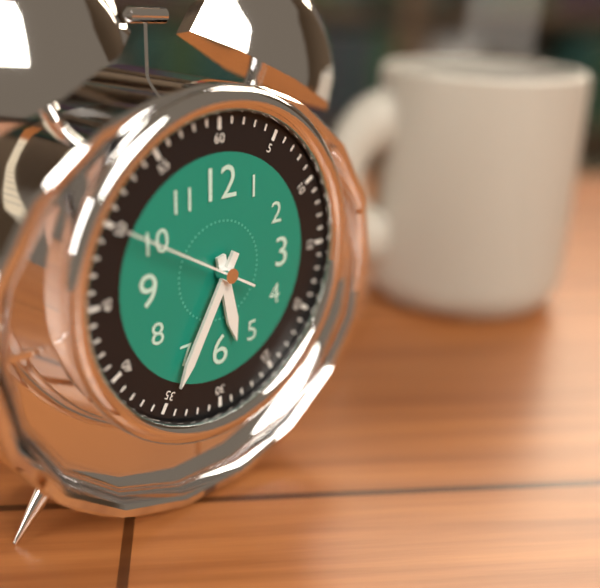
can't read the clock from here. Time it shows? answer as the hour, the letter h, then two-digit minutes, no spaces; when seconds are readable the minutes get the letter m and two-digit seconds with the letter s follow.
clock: 5h35m50s
